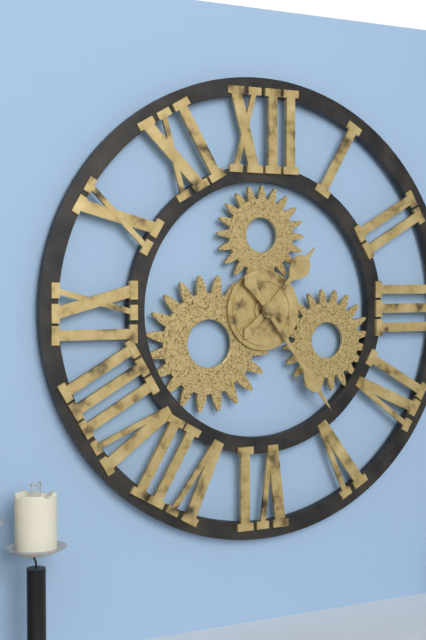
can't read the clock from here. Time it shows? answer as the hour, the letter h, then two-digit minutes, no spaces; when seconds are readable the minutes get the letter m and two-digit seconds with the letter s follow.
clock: 1h24
